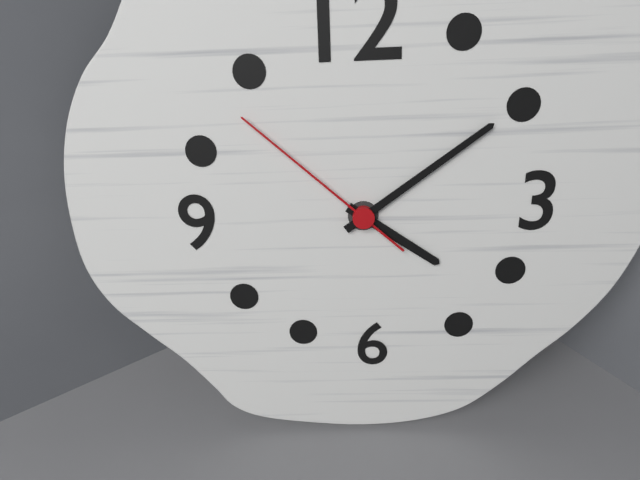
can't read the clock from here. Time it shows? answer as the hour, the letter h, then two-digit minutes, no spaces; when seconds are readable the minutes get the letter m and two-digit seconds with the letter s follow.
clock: 4h09m52s
